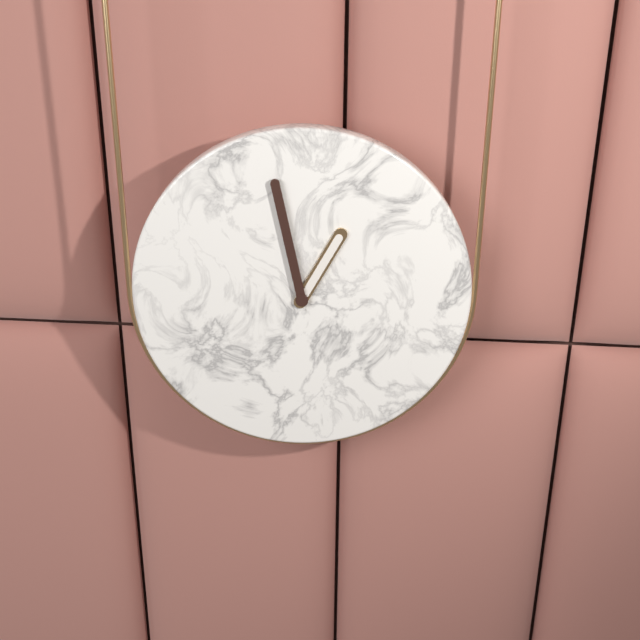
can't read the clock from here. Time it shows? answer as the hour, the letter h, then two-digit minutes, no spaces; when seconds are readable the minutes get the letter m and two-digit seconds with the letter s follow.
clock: 12h58
